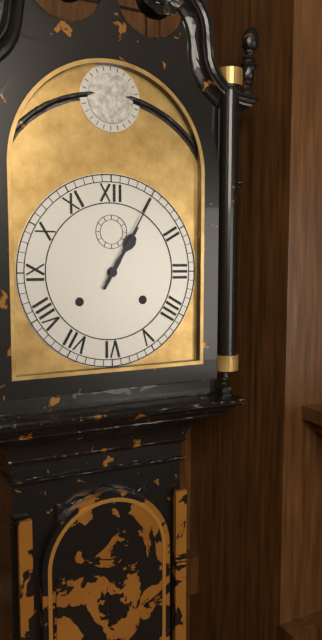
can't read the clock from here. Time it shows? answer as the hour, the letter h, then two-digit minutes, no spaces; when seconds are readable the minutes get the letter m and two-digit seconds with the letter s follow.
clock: 1h05
